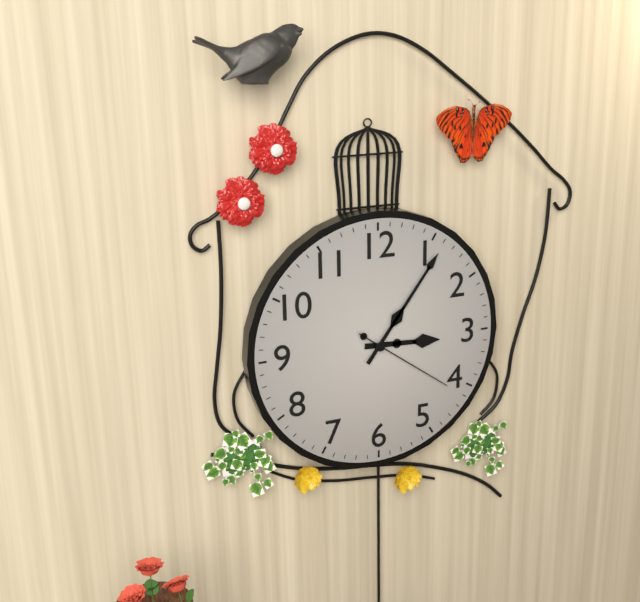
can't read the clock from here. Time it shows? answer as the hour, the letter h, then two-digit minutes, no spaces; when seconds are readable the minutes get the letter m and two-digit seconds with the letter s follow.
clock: 3h06m21s
